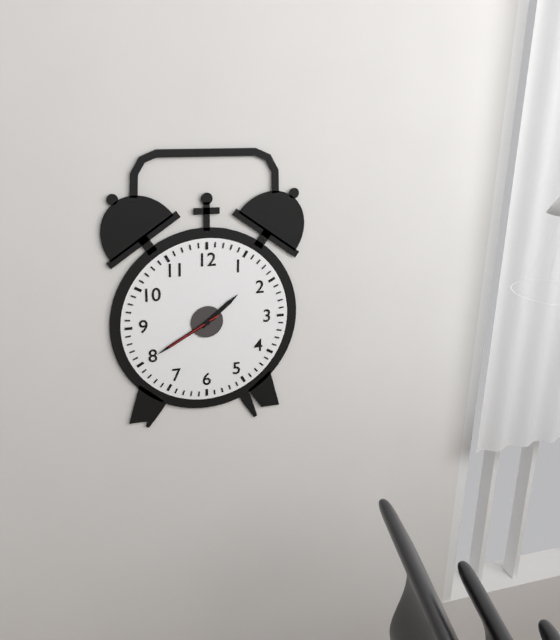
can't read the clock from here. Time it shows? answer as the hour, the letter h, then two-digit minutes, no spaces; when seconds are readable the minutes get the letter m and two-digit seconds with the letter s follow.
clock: 1h40m40s
